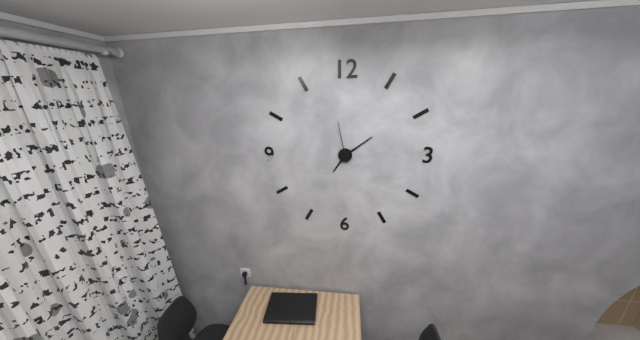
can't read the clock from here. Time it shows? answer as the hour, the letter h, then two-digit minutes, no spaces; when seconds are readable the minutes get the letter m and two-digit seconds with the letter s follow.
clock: 7h09
